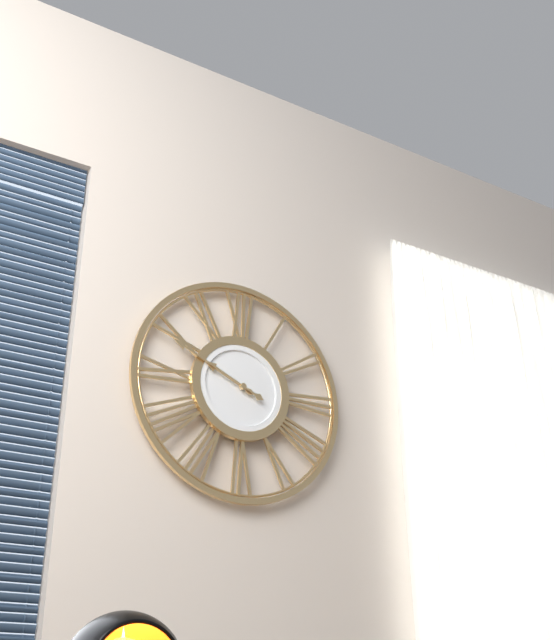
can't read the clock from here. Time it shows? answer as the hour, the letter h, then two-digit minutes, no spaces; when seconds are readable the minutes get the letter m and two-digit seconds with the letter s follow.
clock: 9h49
